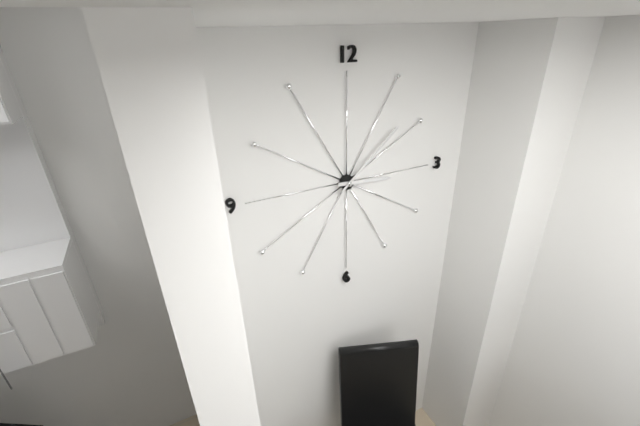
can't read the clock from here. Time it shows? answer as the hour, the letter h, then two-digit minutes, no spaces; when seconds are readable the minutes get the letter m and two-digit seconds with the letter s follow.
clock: 3h08
